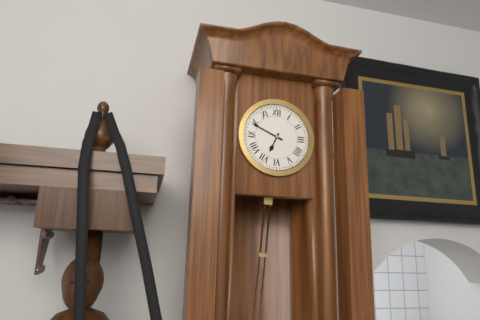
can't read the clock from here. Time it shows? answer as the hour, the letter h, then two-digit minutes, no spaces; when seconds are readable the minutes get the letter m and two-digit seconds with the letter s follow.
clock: 6h49
